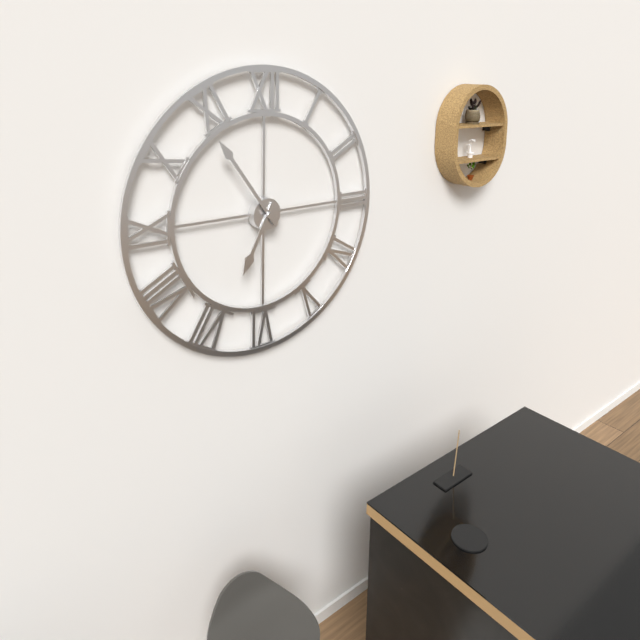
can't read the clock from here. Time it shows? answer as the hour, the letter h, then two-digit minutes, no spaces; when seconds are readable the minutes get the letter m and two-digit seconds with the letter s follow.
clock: 6h54
